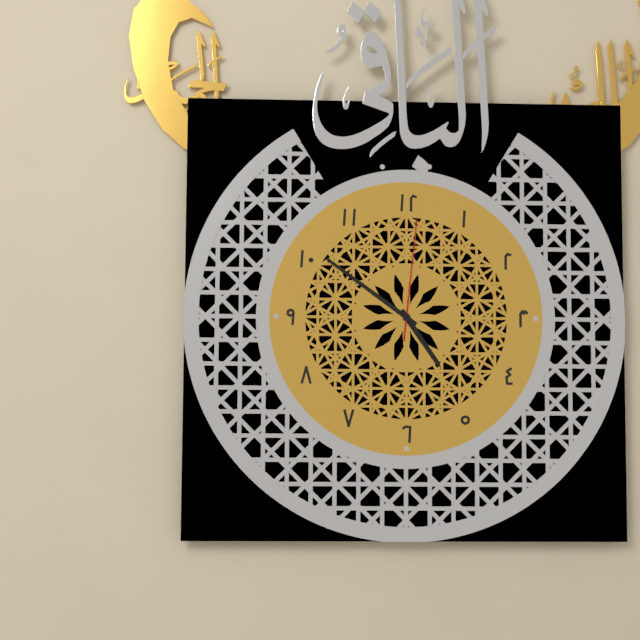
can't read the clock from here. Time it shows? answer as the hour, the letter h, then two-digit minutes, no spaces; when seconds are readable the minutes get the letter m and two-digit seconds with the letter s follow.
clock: 4h51m01s
